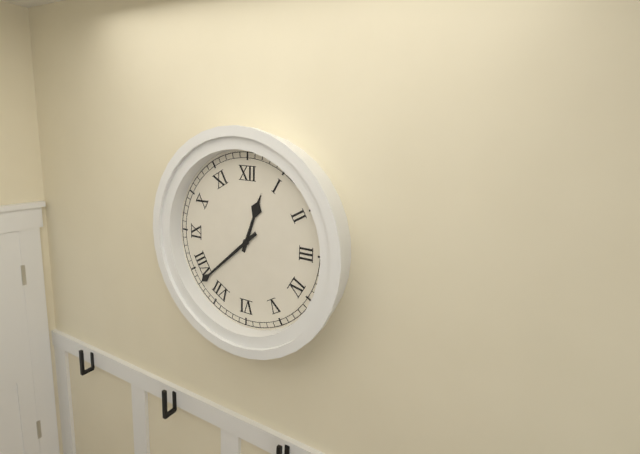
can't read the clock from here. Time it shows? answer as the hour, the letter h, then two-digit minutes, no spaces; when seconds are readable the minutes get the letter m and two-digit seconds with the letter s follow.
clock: 12h38
